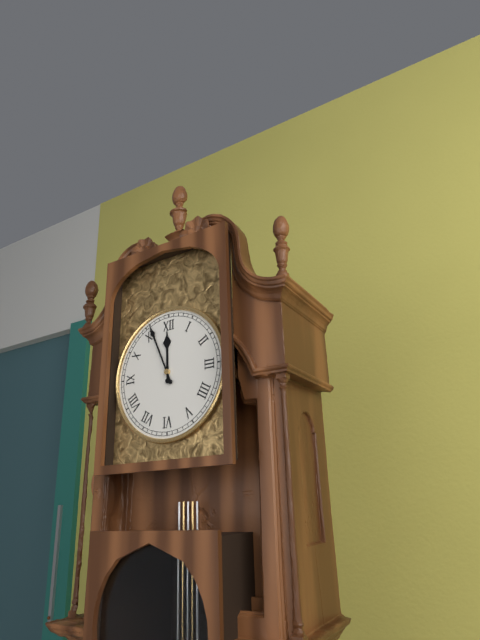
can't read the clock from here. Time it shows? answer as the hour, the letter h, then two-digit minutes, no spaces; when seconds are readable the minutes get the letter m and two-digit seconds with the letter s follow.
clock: 11h56
